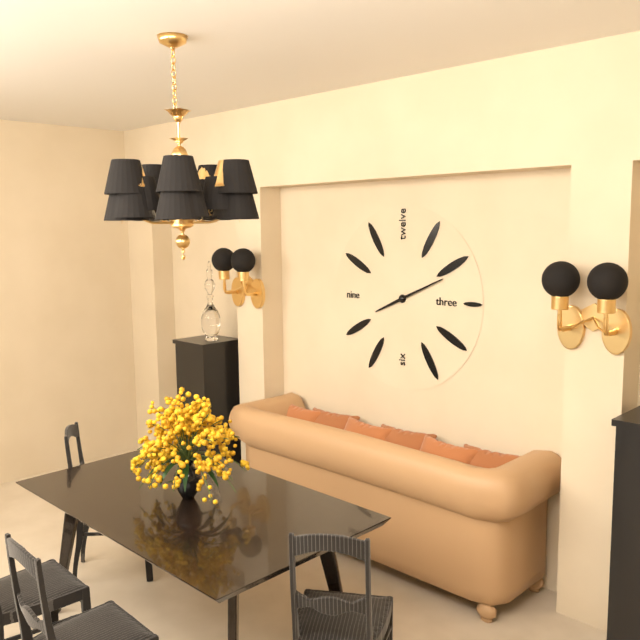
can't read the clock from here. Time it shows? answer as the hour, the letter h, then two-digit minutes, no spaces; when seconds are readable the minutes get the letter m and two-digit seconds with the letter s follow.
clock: 8h11
